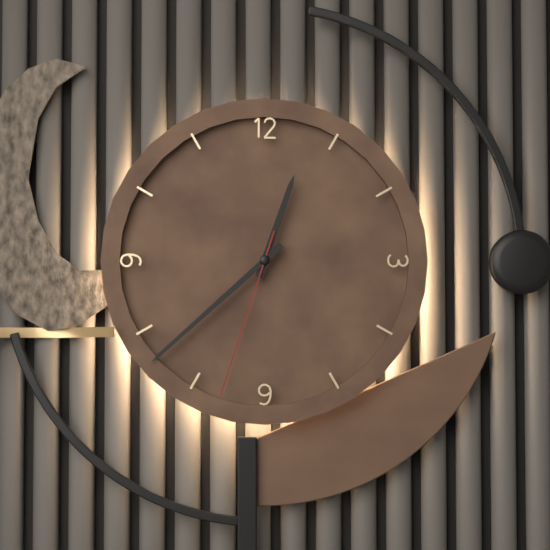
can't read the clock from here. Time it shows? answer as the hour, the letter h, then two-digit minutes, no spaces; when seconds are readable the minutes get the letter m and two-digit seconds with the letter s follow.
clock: 12h38m33s
